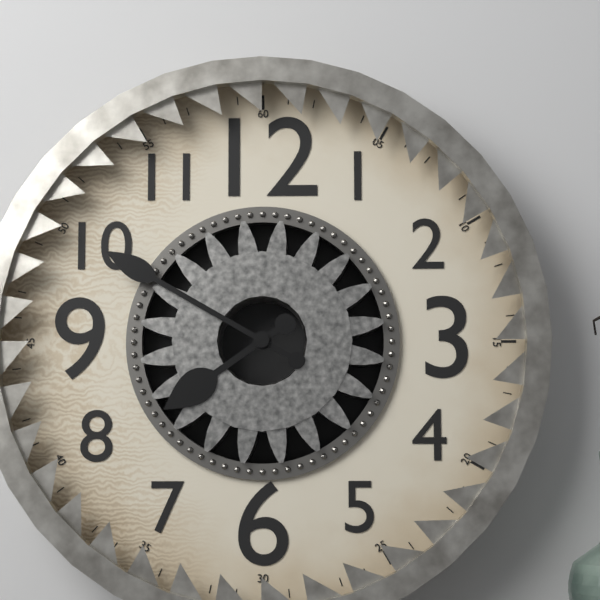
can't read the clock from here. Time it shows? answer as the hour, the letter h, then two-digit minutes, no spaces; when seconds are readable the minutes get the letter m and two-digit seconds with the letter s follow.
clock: 7h50
